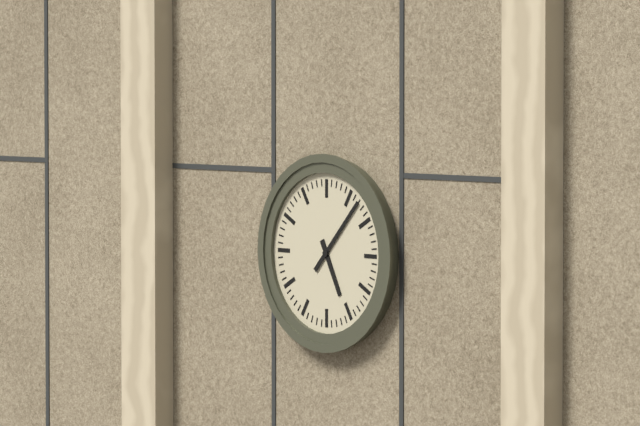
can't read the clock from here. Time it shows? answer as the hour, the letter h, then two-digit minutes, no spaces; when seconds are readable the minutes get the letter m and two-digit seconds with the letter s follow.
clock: 5h07
